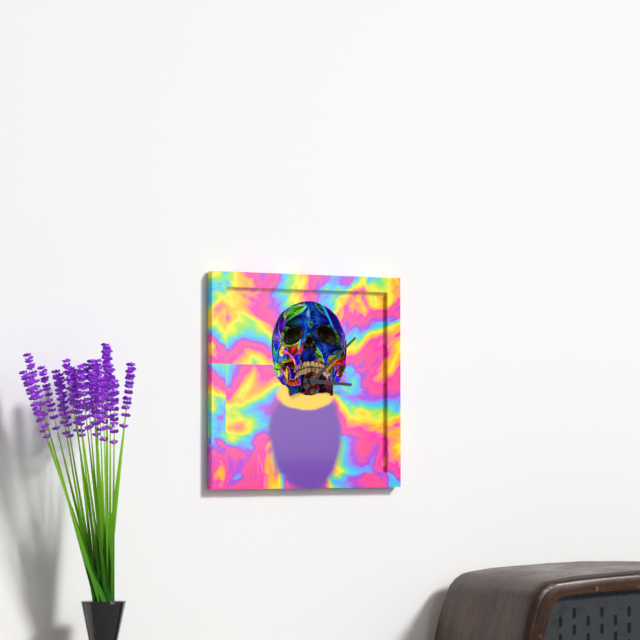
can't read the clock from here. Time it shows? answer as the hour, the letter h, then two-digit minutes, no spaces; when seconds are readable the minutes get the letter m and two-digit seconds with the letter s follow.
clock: 3h08
